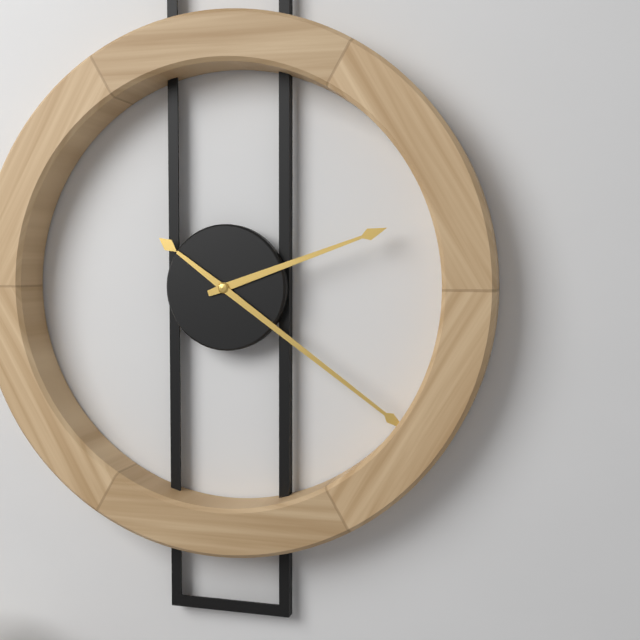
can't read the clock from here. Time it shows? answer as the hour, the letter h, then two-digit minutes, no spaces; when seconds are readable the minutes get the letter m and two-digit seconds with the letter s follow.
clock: 2h21
